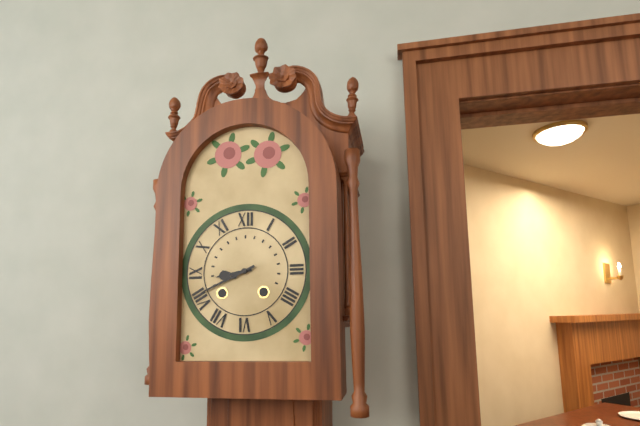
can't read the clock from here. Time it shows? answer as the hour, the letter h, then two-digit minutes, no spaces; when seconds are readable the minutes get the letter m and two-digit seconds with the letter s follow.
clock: 8h41
